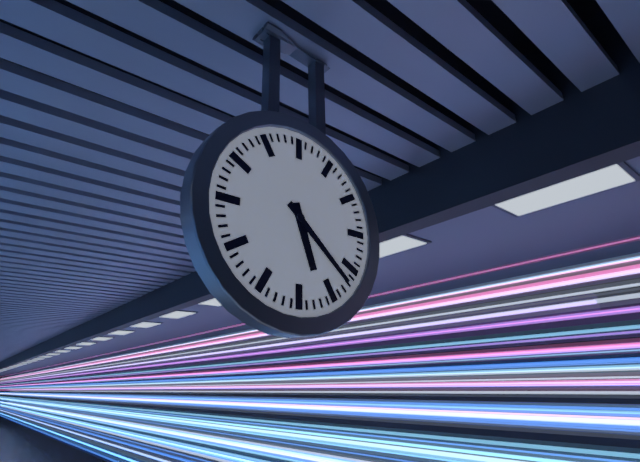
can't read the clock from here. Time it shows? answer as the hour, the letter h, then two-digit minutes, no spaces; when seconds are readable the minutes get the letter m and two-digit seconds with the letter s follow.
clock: 5h22
